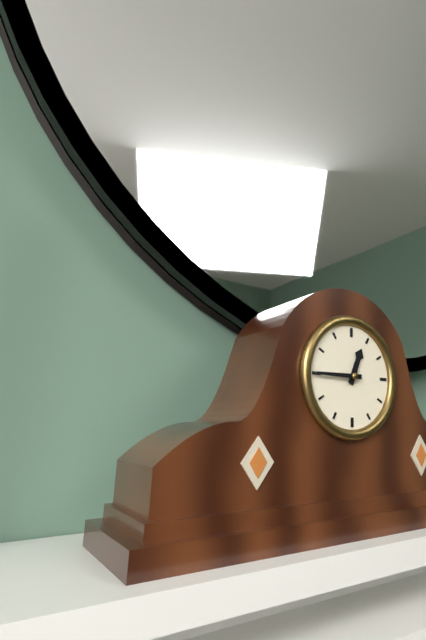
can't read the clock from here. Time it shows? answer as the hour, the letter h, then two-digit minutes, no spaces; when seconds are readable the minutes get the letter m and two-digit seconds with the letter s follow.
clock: 12h45
